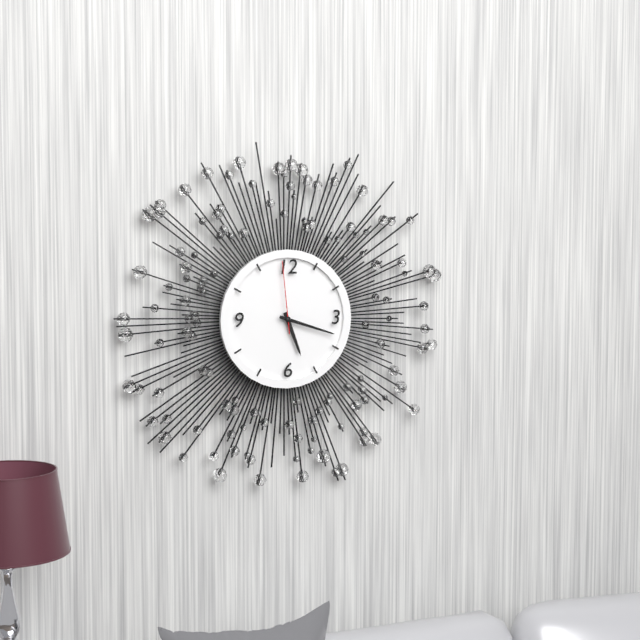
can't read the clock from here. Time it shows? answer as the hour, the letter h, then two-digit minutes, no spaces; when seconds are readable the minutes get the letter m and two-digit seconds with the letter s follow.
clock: 5h18m59s
